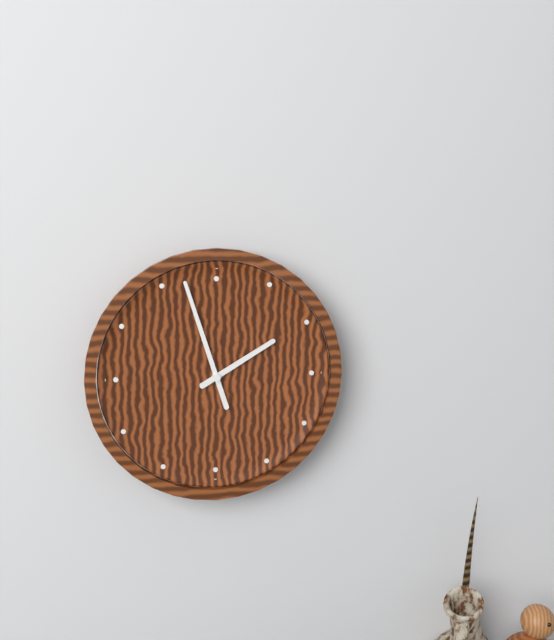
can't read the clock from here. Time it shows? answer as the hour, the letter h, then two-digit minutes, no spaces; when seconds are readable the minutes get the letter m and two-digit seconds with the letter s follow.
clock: 1h57
